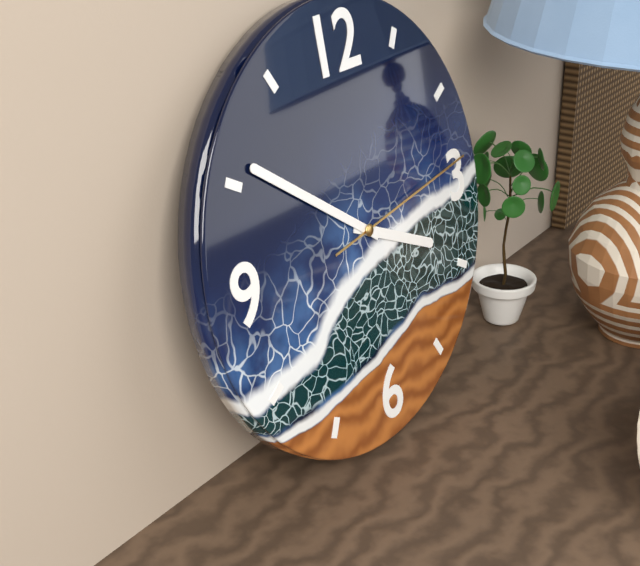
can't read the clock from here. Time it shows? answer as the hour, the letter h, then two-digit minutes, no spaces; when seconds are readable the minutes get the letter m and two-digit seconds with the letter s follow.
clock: 3h51m14s
